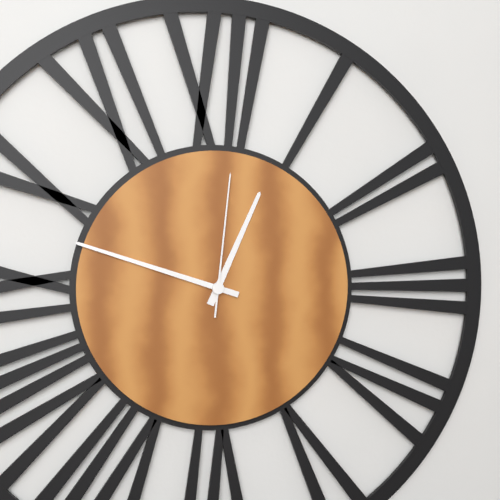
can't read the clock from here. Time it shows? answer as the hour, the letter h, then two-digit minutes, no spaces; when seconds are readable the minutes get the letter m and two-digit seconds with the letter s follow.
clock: 12h48m01s
